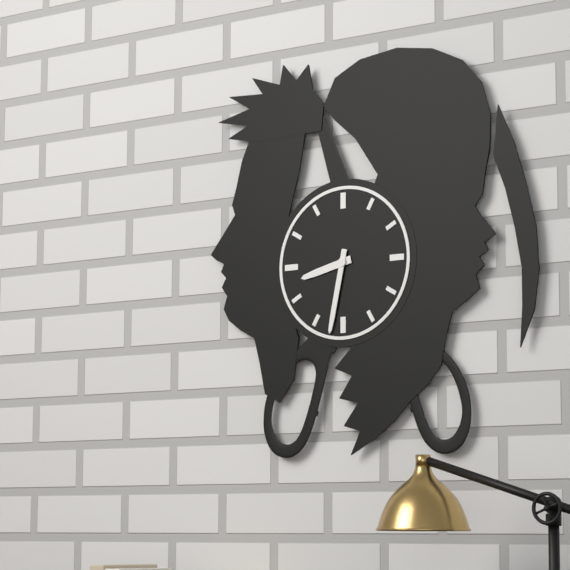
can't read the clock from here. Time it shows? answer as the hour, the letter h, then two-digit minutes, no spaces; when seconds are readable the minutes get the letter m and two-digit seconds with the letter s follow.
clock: 8h32
